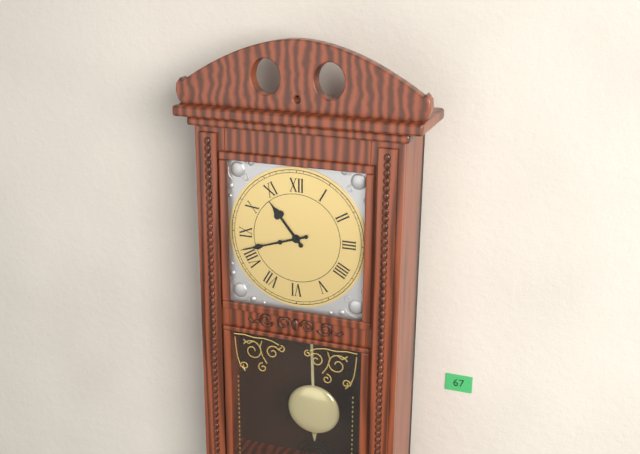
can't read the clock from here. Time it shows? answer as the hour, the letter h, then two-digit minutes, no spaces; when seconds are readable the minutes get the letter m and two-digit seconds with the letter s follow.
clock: 10h42
